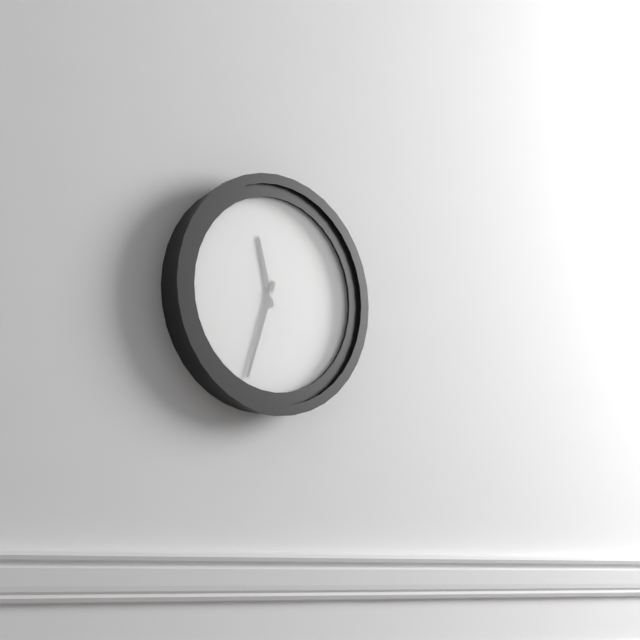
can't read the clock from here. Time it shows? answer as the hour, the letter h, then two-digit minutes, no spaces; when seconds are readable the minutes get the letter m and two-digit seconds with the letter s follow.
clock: 11h33
